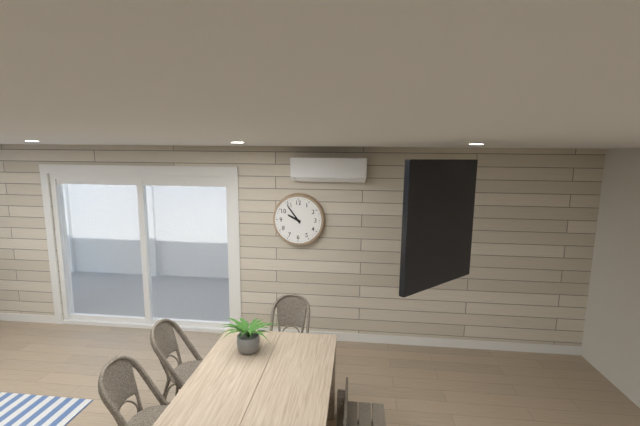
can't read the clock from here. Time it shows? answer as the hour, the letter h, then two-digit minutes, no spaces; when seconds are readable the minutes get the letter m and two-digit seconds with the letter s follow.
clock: 9h54
